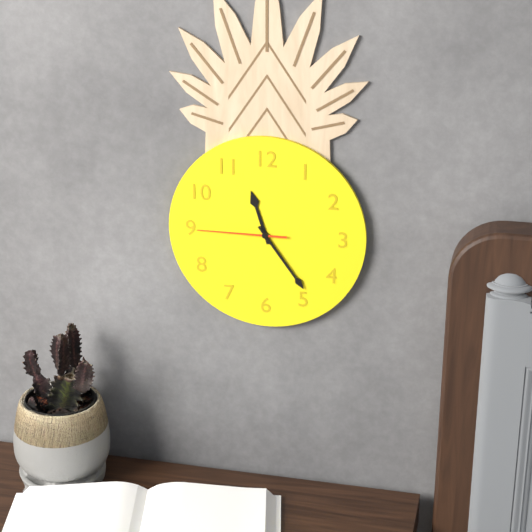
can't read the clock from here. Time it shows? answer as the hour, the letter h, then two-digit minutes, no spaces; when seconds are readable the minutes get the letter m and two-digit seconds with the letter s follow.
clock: 11h24m45s
